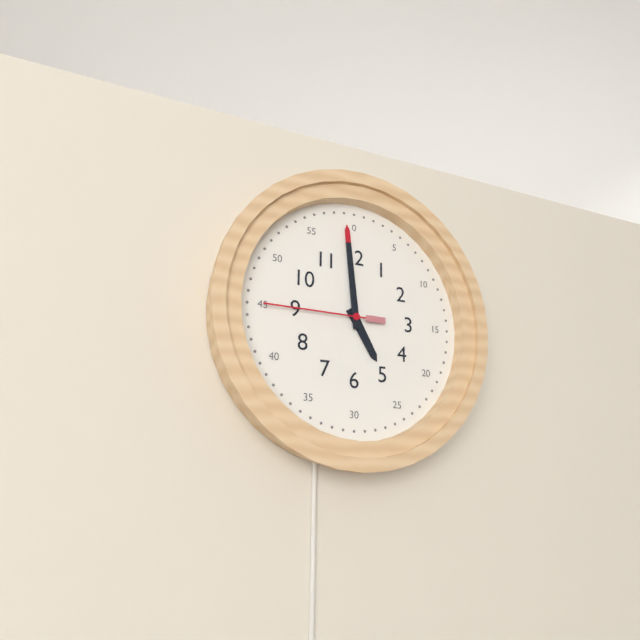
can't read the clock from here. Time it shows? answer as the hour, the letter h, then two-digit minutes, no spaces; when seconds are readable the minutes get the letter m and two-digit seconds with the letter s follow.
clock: 4h59m45s
